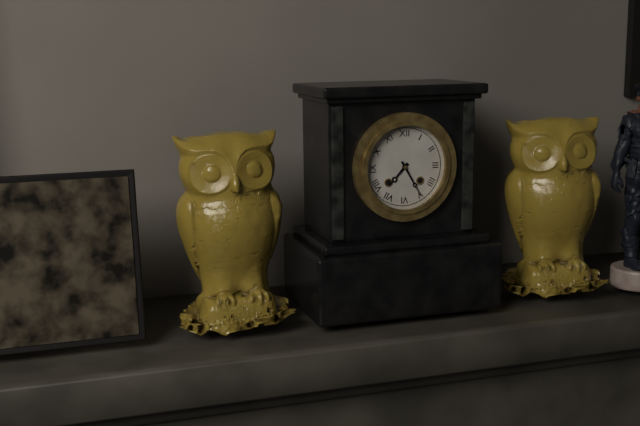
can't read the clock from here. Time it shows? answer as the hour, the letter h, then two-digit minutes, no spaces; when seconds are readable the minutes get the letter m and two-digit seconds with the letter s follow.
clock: 7h25
